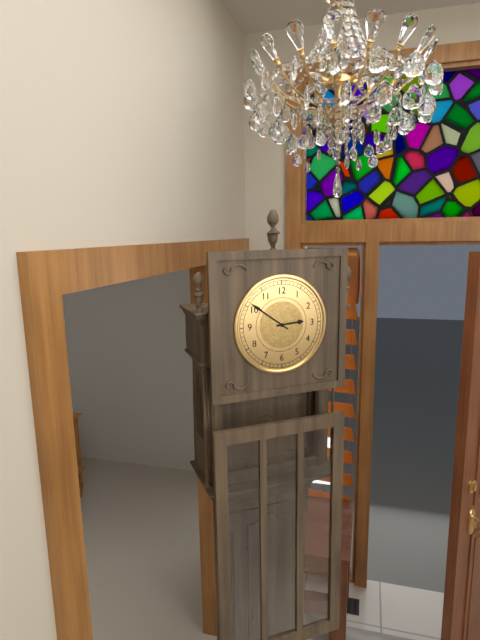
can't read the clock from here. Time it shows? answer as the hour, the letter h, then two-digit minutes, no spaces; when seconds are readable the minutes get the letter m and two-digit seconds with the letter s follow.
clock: 2h51
